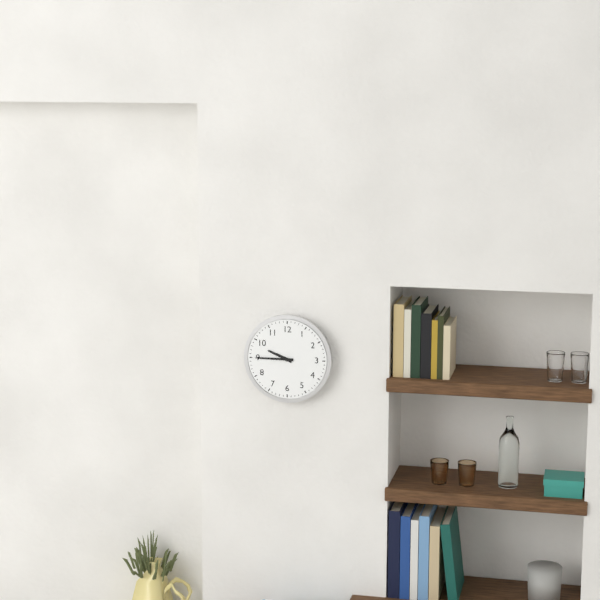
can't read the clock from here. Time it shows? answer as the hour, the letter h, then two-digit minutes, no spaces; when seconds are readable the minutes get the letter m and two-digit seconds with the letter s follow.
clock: 9h45
